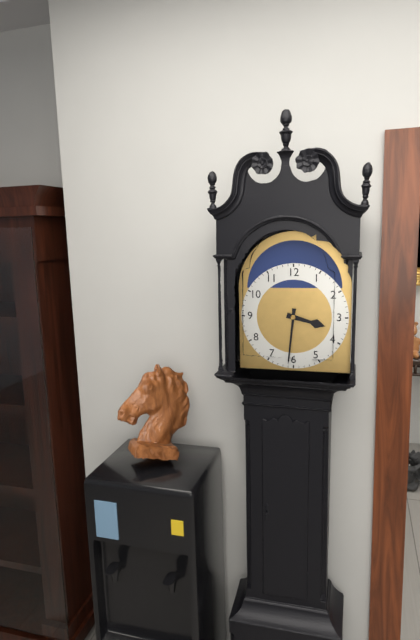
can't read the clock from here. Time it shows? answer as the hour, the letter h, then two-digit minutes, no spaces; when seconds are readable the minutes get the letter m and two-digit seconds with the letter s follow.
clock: 3h31
